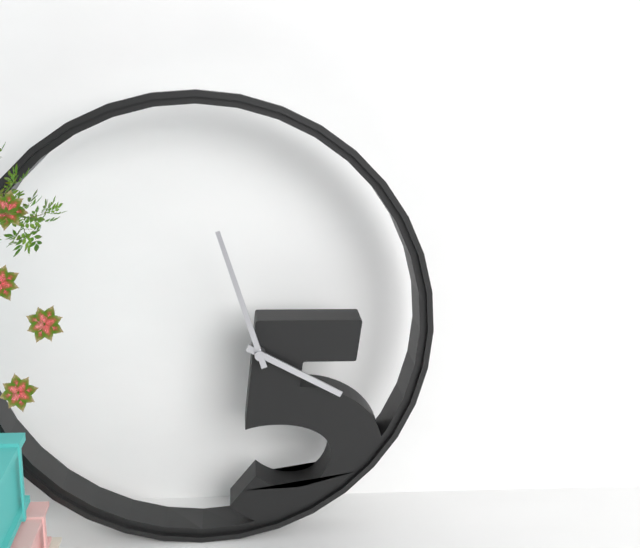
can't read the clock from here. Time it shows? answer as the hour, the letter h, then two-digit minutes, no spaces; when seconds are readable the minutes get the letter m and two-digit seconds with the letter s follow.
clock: 3h57
